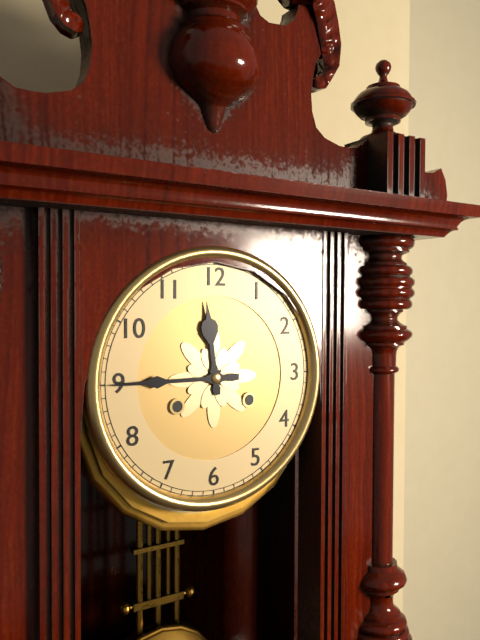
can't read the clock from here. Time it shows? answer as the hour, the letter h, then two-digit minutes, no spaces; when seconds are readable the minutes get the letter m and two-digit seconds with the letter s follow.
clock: 11h45
